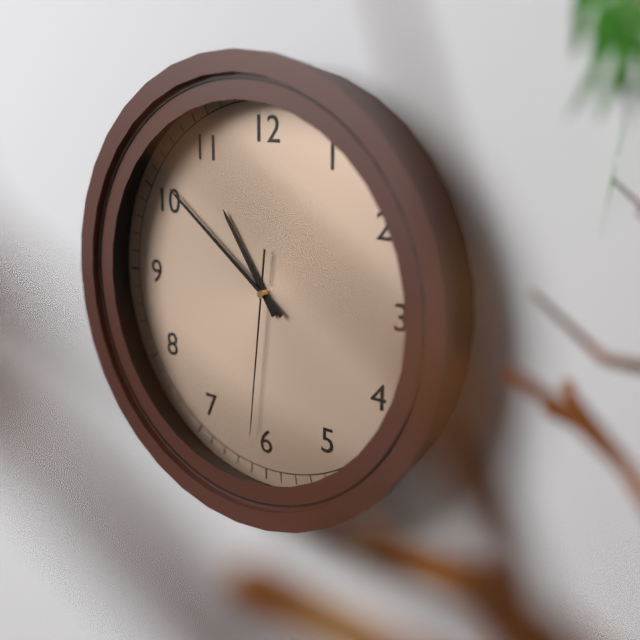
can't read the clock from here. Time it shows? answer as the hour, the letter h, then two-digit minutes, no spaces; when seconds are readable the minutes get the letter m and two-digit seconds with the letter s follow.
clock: 10h51m31s
